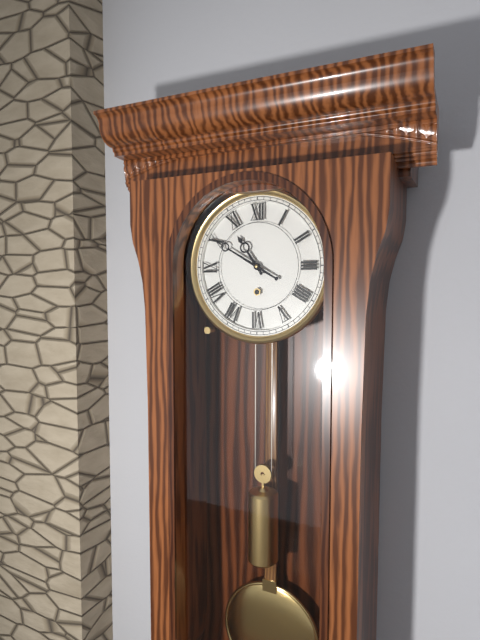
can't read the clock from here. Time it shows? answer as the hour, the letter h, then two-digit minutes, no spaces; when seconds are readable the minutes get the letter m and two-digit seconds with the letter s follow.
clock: 10h50
